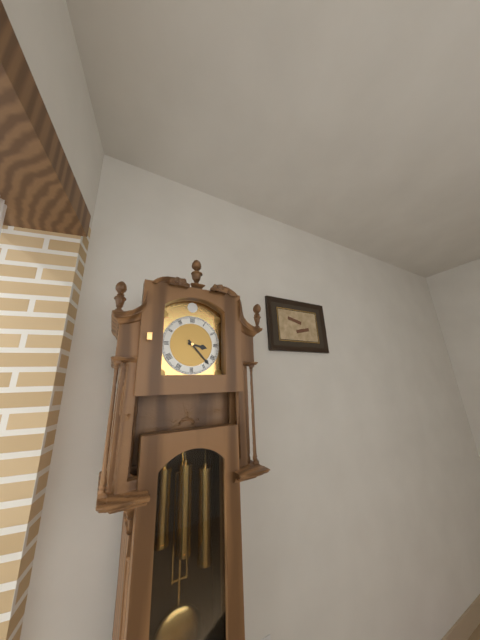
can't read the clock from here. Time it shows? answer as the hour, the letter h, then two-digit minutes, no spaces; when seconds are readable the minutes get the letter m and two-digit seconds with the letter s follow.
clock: 3h23
